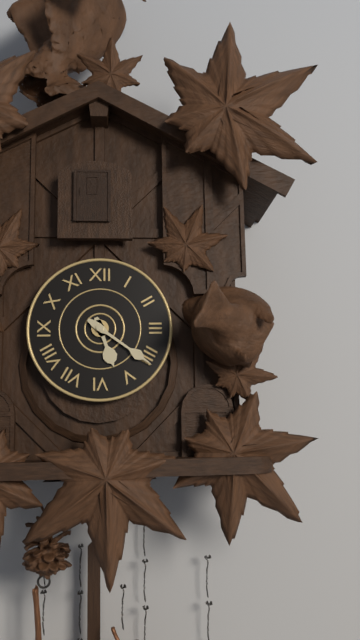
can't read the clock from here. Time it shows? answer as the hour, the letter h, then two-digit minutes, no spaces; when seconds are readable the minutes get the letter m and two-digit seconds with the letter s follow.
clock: 5h21
